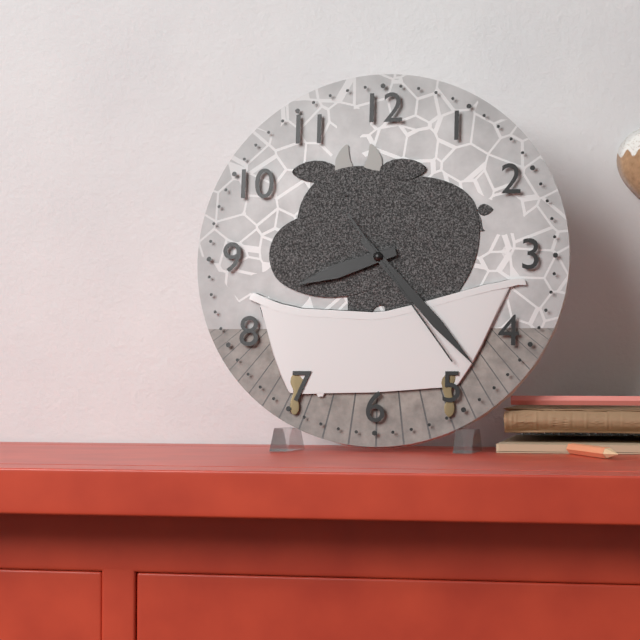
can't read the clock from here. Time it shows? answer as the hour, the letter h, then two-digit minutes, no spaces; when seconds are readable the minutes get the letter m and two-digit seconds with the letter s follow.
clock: 8h23m24s
